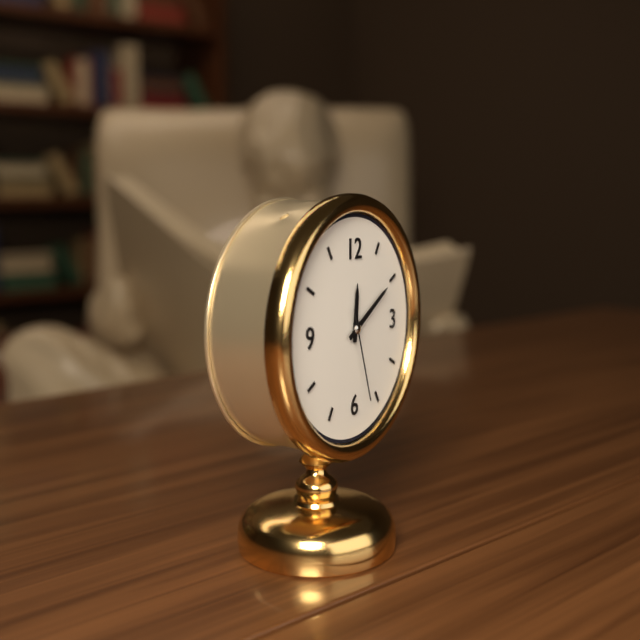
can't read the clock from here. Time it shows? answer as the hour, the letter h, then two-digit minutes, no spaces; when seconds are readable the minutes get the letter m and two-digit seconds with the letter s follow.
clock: 12h10m27s
